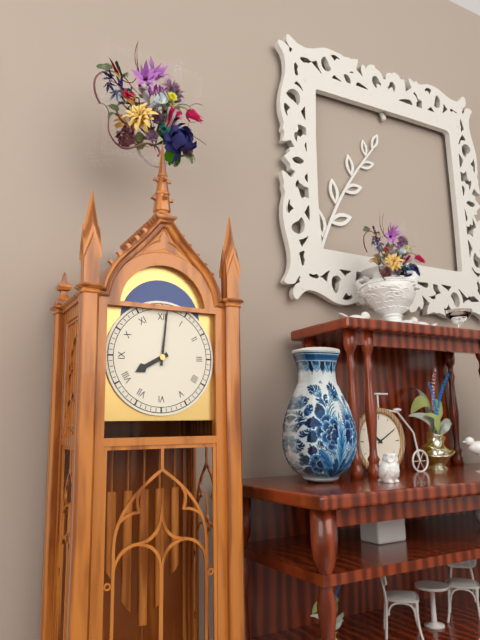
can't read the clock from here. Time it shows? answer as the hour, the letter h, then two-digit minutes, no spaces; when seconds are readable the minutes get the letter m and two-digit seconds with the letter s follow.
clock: 8h01
